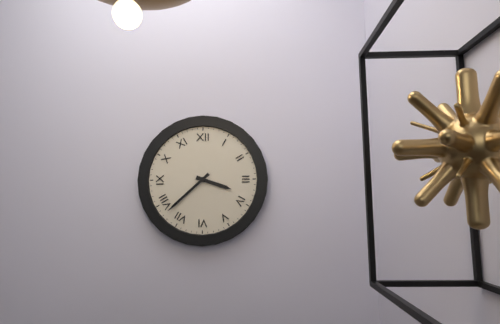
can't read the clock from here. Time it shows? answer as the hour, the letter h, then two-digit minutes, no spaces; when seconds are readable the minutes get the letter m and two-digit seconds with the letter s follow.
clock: 3h38
